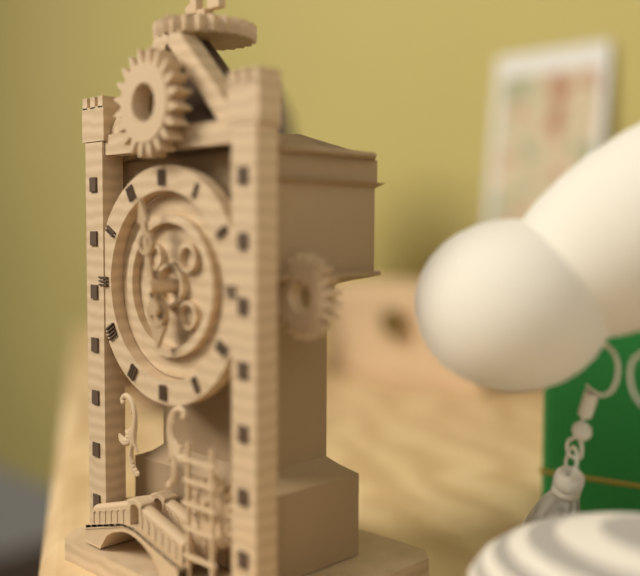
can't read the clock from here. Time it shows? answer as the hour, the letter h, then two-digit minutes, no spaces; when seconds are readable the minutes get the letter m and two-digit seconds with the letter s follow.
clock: 5h58
